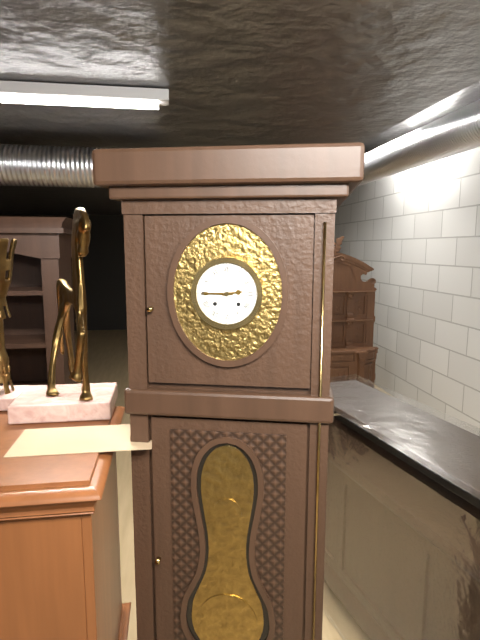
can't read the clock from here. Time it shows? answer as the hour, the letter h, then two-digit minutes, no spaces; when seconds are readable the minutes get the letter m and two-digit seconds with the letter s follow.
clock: 2h45
